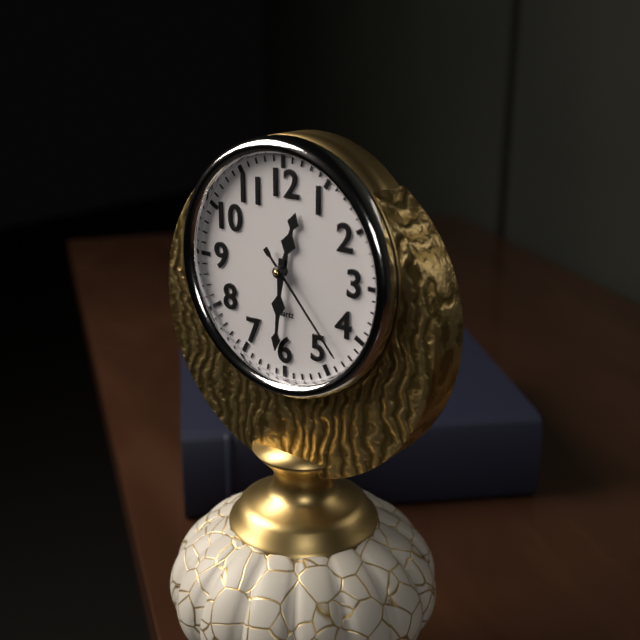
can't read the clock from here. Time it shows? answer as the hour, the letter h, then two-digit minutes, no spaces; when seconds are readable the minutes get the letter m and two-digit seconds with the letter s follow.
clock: 12h31m23s
